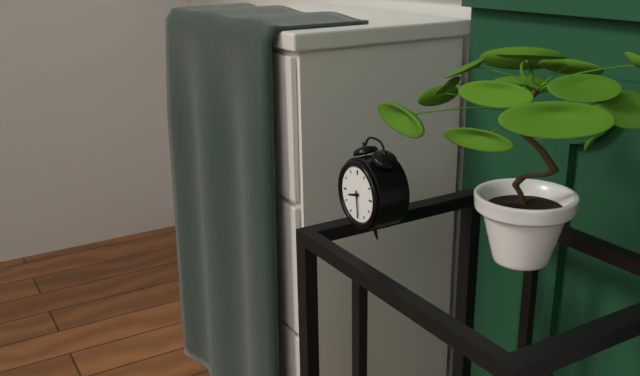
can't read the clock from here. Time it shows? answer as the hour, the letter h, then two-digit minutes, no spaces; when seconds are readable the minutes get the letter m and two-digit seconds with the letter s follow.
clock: 8h29
